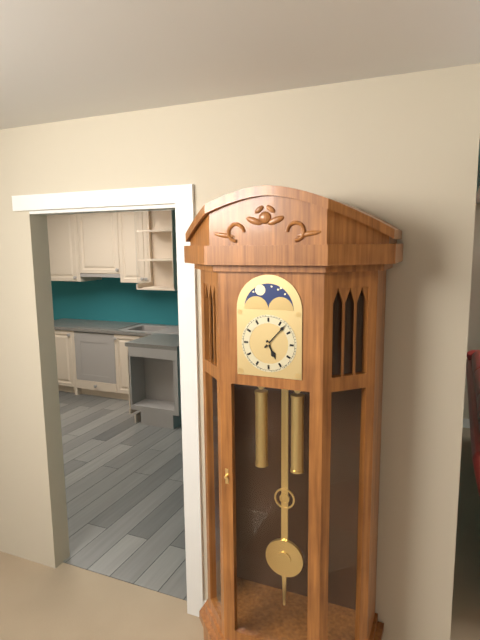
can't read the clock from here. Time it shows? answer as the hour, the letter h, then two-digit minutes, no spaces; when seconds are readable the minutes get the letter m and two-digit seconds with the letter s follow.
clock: 5h07
